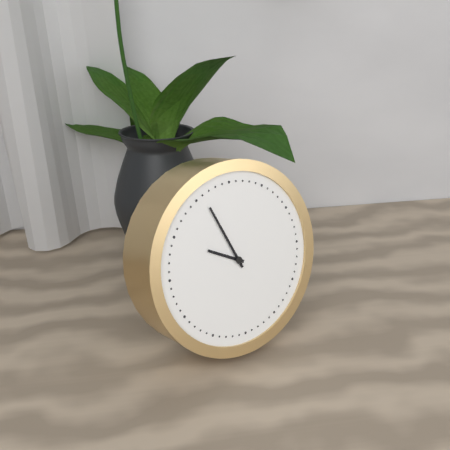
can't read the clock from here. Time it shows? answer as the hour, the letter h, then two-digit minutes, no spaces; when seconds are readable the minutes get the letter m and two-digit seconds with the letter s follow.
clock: 9h56
